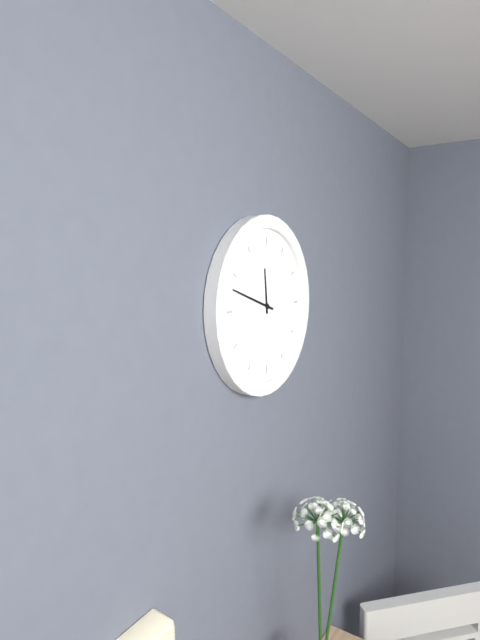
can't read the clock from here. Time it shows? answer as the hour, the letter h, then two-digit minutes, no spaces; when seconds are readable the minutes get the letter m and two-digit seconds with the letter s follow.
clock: 11h48
